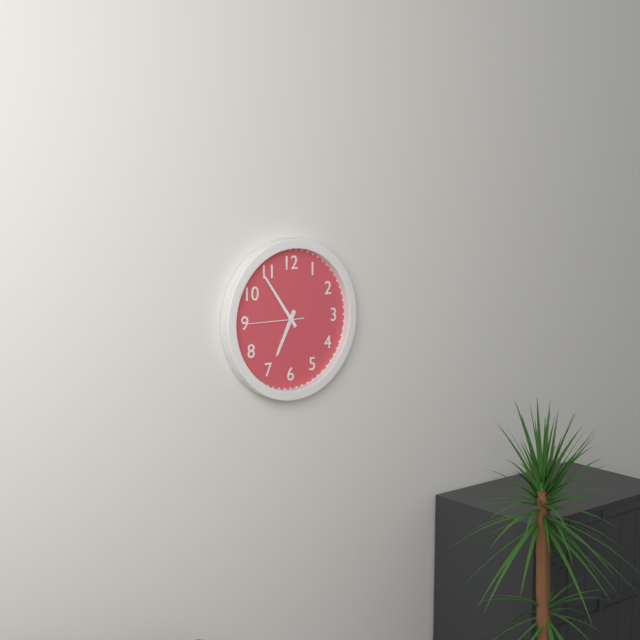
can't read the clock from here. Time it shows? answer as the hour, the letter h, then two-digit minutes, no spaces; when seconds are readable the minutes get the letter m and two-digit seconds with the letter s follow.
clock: 6h54m45s
